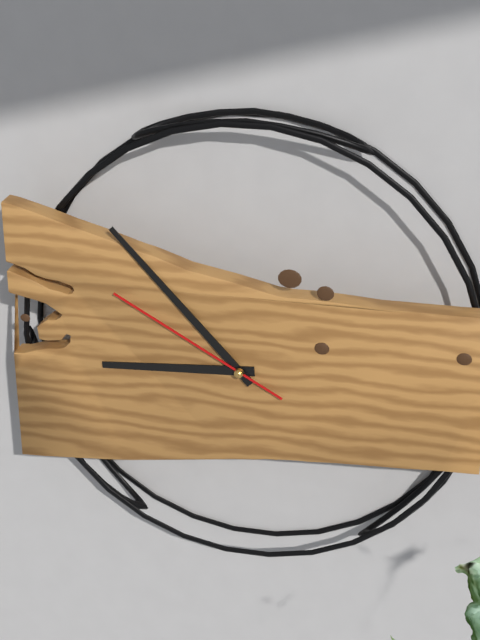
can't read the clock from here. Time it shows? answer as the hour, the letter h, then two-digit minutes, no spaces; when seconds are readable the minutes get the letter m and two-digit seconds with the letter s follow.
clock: 8h53m50s
